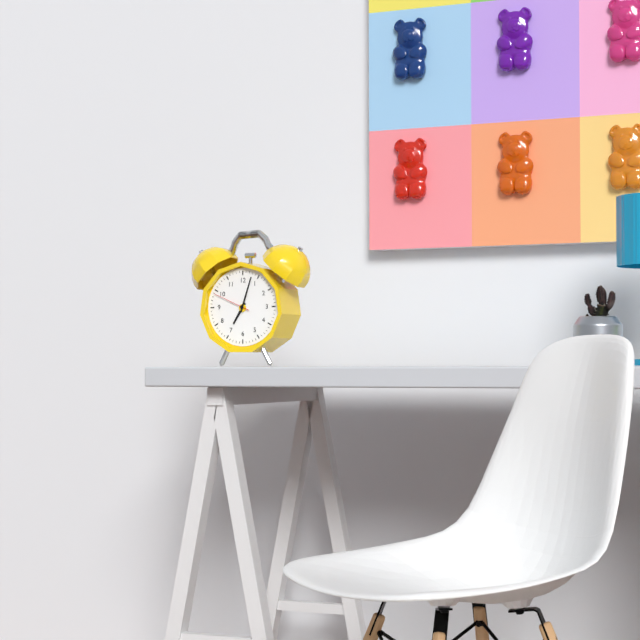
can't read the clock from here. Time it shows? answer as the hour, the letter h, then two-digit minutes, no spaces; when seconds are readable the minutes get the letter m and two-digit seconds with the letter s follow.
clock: 7h03
